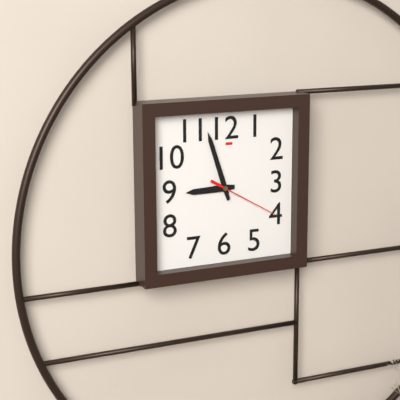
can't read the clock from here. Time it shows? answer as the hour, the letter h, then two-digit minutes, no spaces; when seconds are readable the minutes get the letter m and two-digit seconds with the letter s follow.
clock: 8h57m20s
